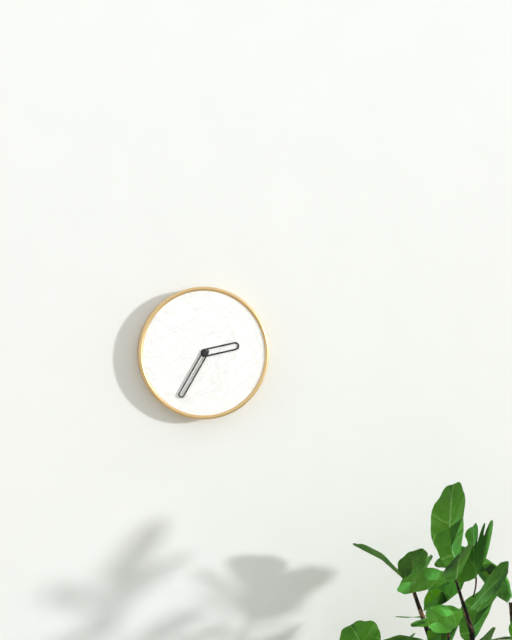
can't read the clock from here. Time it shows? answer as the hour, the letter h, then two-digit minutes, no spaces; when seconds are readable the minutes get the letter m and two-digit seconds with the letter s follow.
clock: 2h35
